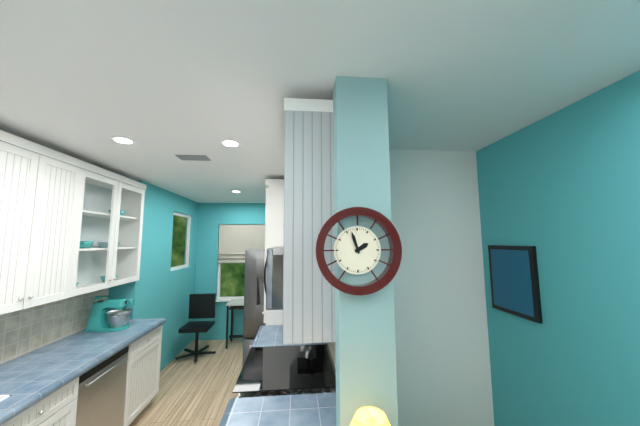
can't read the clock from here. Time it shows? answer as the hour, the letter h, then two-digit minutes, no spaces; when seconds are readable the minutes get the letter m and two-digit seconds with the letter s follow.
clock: 1h57
